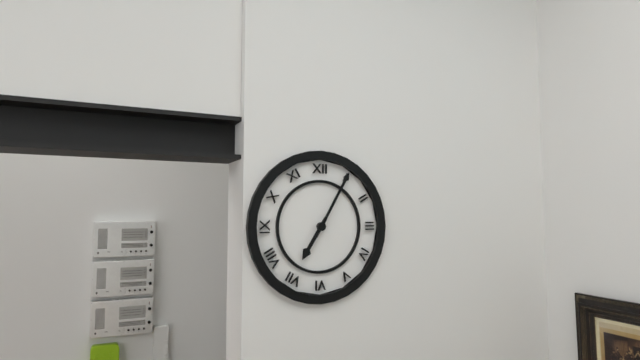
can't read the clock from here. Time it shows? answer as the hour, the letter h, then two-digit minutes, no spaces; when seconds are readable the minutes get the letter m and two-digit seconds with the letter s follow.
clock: 7h05
